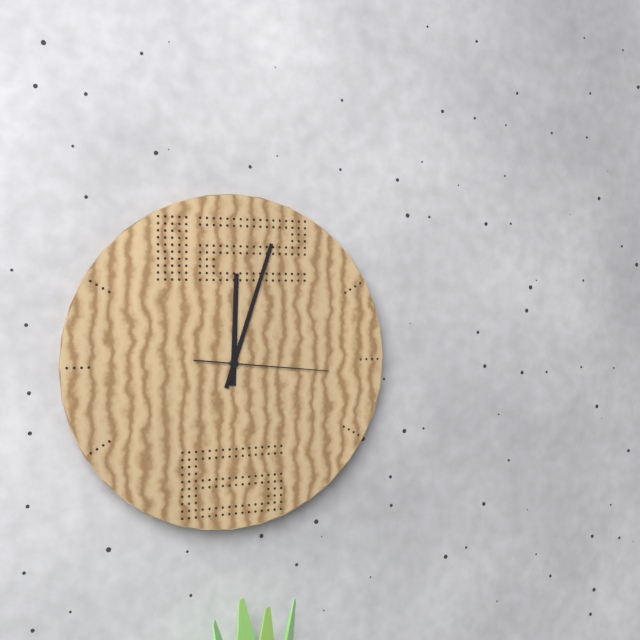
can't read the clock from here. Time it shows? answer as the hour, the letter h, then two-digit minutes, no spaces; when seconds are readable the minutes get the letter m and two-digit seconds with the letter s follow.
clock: 12h03m16s
